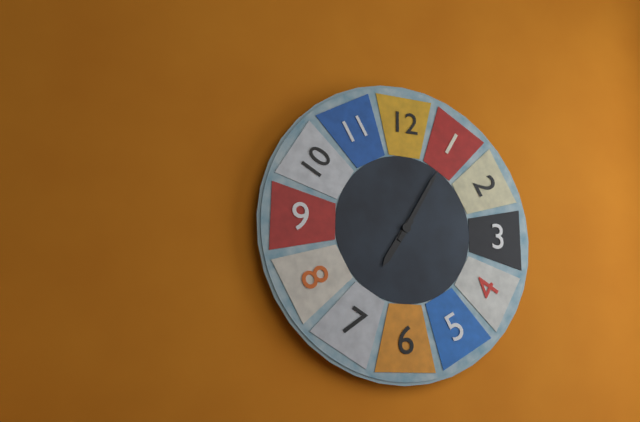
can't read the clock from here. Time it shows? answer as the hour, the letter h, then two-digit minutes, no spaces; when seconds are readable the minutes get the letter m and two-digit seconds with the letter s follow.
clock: 7h05
